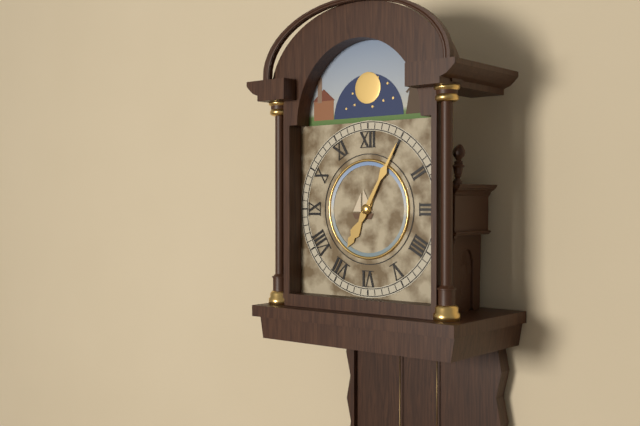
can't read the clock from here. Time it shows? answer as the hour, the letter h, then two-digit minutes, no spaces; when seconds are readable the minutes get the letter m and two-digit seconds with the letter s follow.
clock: 7h05
